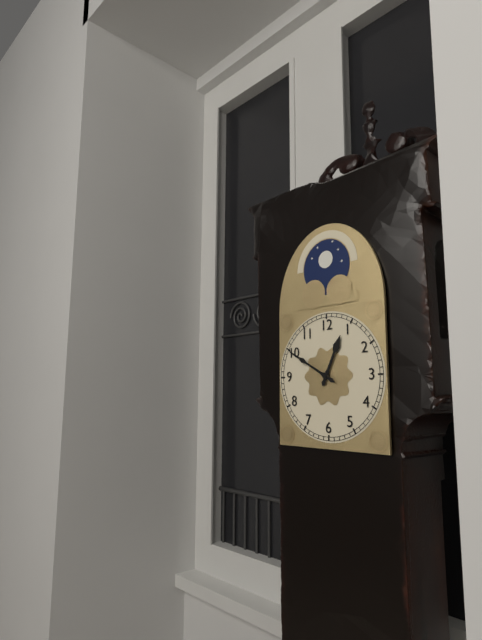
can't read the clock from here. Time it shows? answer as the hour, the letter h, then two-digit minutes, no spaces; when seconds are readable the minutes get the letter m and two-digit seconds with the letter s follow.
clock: 12h50
